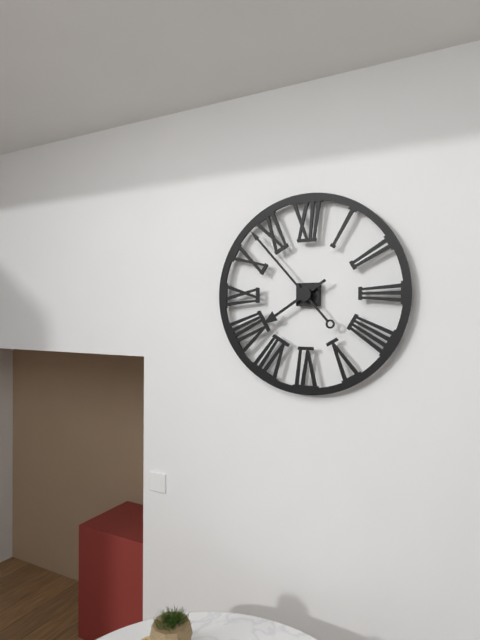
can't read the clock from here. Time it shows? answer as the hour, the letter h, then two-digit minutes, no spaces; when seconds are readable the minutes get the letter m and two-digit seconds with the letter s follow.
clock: 7h53
